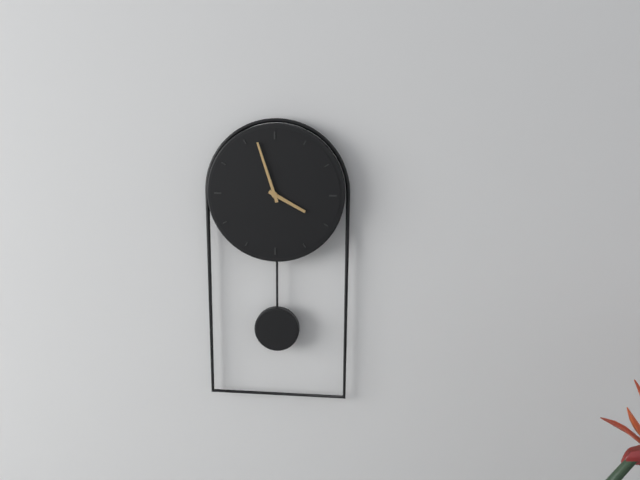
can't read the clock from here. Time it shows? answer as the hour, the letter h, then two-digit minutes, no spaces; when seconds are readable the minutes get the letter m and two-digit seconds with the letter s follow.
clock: 3h57
